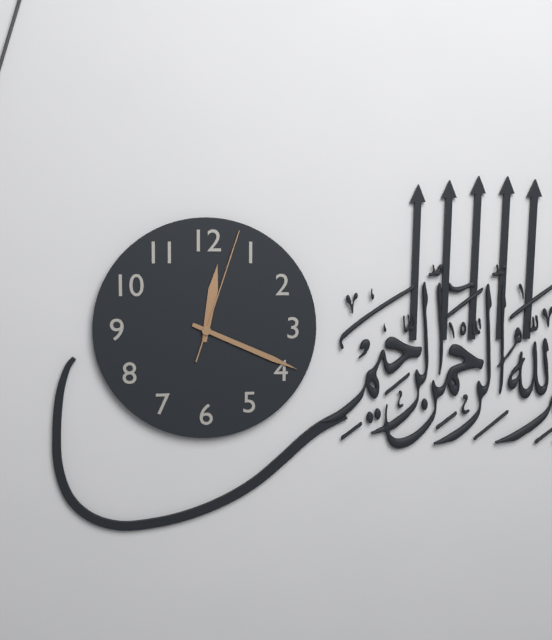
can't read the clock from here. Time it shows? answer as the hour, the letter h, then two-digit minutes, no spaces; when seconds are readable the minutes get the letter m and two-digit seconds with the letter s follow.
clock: 12h19m03s
